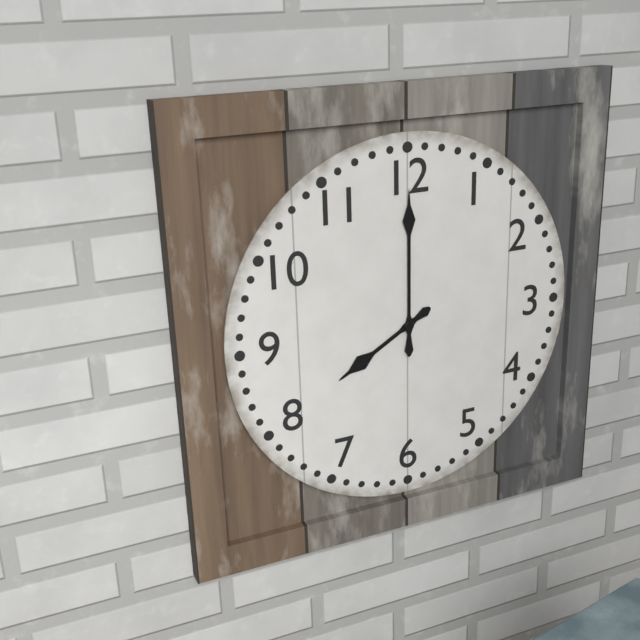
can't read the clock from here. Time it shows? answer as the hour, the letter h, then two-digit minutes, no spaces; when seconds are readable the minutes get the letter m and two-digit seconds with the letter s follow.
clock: 8h00
